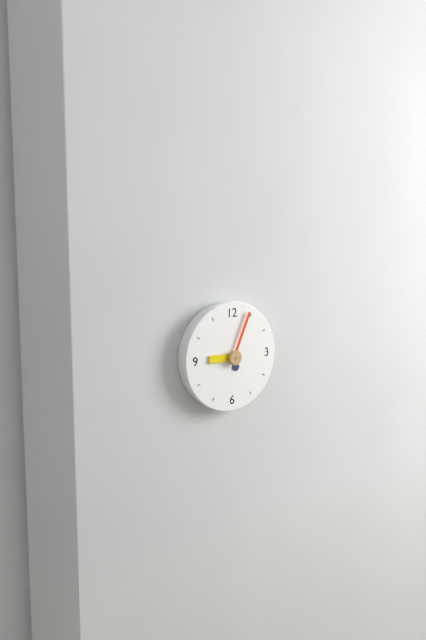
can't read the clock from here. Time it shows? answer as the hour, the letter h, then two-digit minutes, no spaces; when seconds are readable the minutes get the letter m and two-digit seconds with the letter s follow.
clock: 9h04
